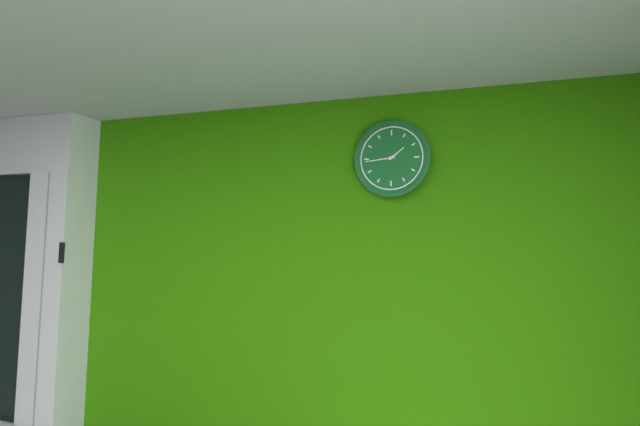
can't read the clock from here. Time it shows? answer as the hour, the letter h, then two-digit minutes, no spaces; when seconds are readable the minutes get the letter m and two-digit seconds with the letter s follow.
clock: 1h44
